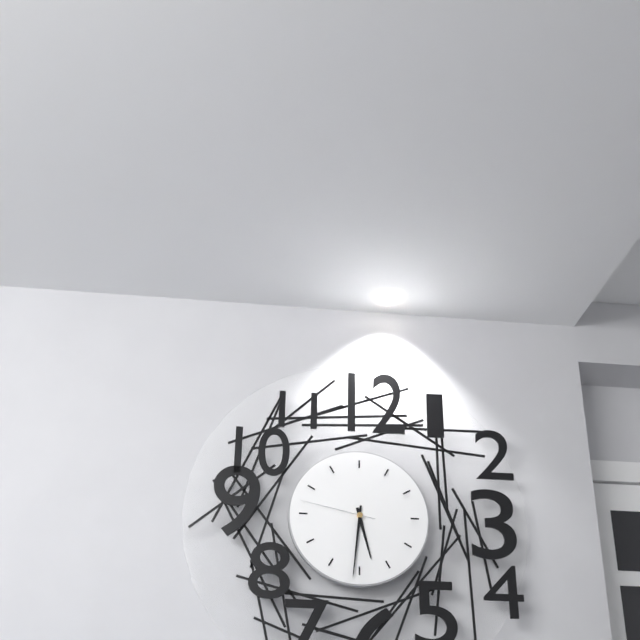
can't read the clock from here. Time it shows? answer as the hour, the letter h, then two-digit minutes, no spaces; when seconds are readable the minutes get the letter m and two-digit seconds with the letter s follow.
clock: 5h31m47s
